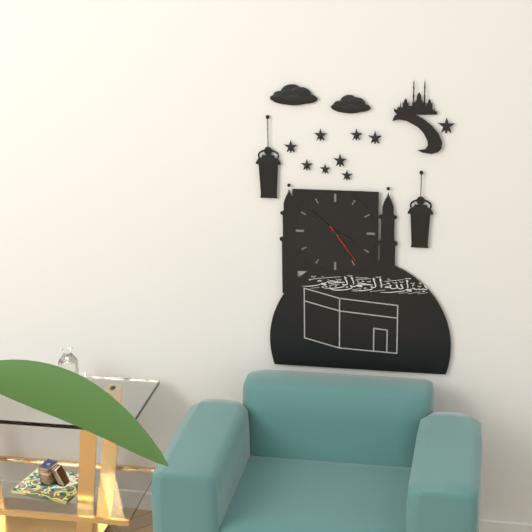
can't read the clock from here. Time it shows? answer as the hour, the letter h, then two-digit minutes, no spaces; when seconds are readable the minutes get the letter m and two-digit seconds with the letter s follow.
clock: 3h52
